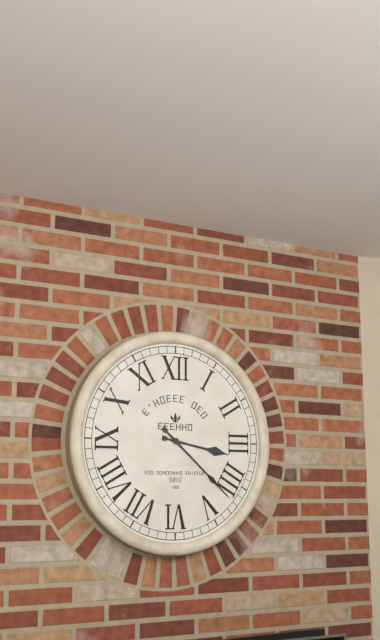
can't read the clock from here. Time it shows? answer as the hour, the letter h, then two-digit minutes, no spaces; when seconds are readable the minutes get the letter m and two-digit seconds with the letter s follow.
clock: 3h22
